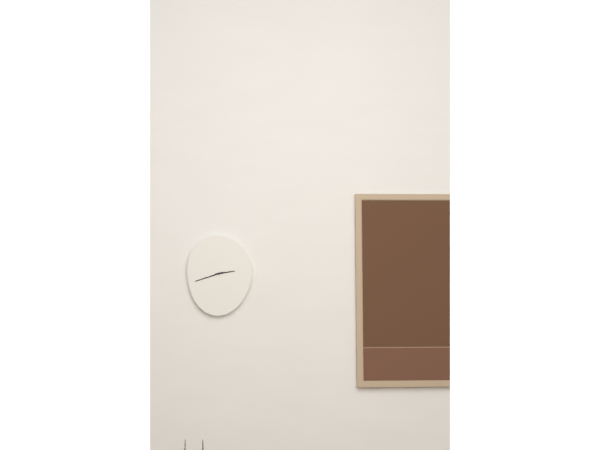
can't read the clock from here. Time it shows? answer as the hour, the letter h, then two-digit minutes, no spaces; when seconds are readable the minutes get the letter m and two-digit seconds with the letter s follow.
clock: 2h42
